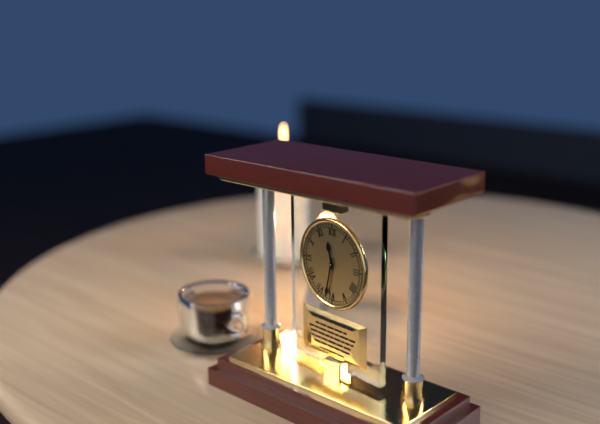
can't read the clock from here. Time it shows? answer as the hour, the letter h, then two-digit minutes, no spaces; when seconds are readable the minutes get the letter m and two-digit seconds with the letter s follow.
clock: 11h32
